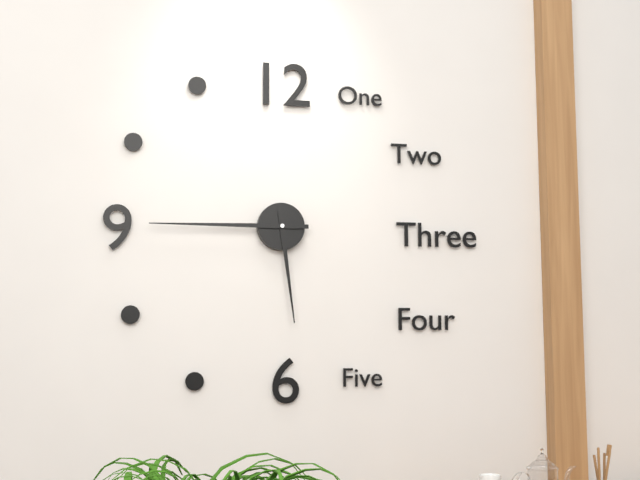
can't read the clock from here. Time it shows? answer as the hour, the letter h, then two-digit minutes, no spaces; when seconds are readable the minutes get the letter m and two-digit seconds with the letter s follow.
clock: 5h45
